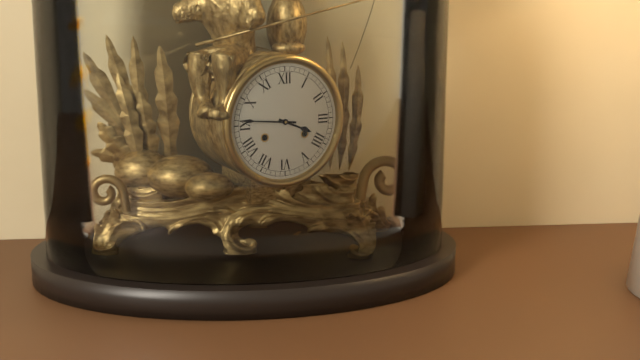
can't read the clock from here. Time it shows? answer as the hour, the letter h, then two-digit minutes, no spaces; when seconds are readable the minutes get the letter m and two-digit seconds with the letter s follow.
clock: 3h46
